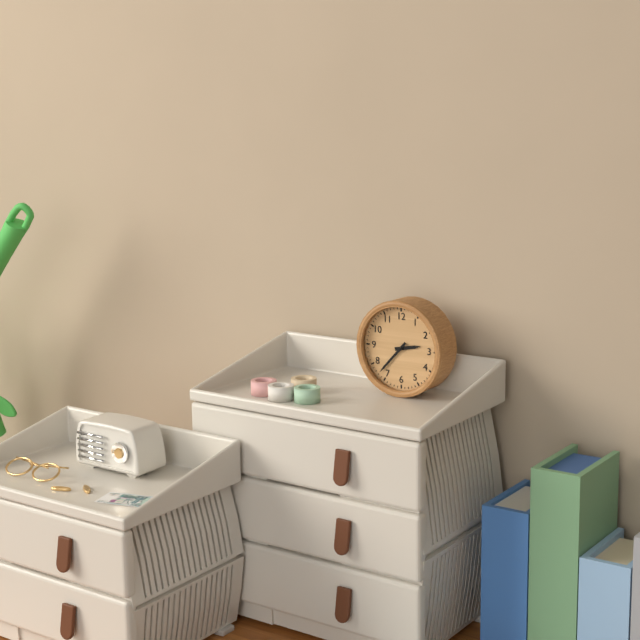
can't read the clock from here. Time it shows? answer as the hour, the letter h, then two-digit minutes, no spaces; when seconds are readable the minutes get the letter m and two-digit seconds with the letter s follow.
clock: 2h37
